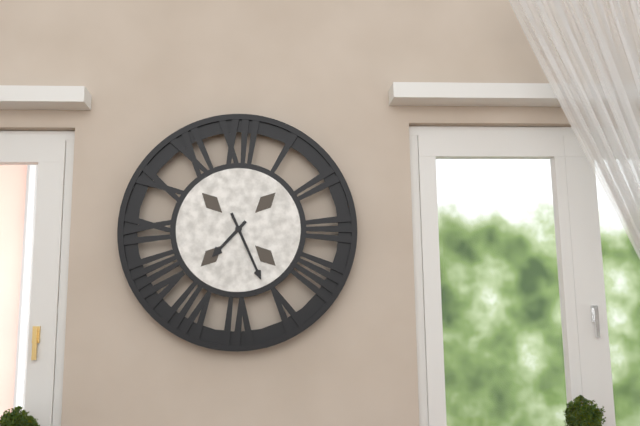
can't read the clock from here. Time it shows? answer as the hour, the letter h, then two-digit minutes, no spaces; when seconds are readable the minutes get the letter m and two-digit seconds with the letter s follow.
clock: 7h26
